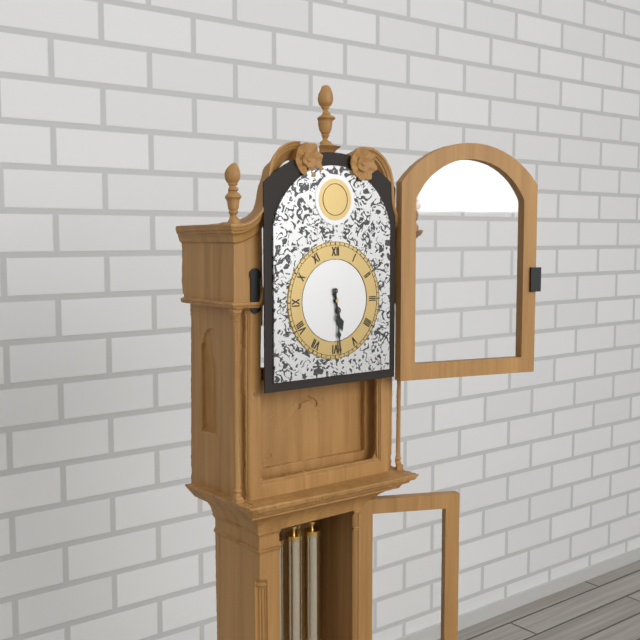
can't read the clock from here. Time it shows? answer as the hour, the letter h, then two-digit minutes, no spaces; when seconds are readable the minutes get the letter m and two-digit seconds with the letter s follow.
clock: 5h29
